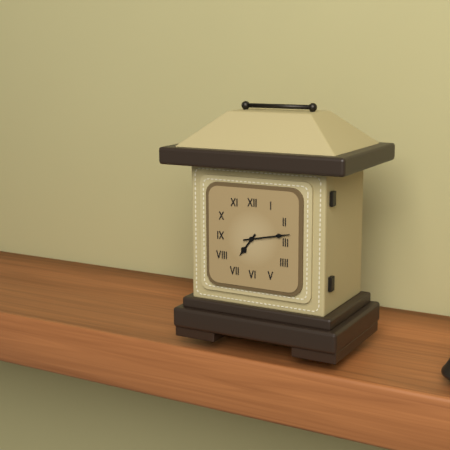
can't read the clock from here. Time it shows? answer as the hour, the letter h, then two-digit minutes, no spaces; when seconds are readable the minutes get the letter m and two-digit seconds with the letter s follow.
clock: 7h13
